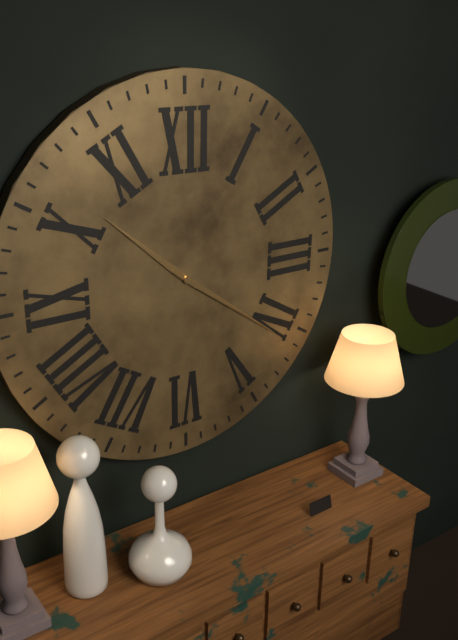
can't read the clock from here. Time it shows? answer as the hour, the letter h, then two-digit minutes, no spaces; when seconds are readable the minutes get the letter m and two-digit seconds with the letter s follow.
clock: 10h21
